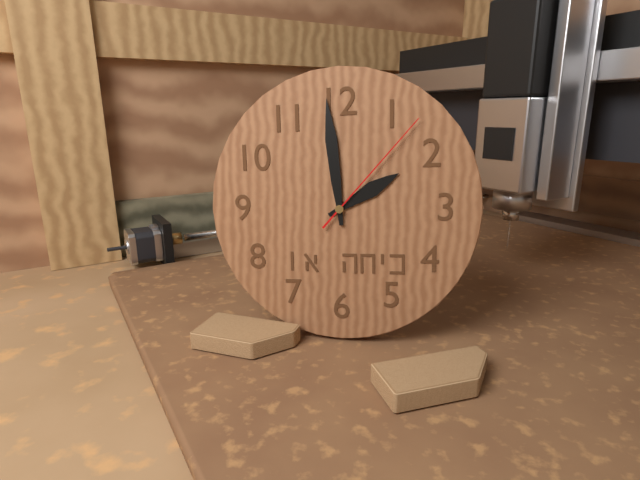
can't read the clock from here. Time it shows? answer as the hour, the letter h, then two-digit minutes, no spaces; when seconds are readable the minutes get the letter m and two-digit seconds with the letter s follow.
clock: 1h59m07s
